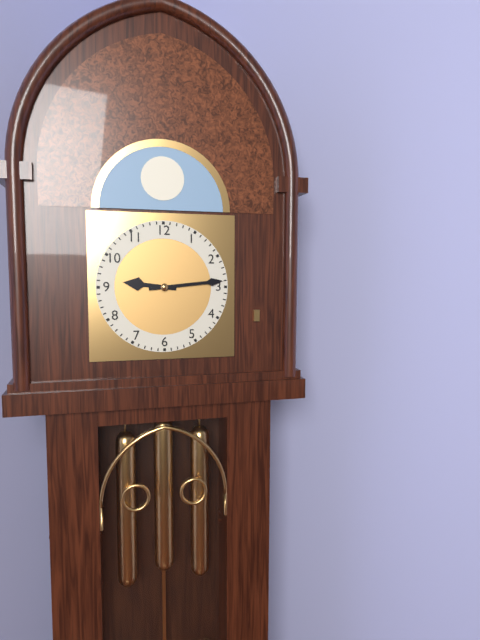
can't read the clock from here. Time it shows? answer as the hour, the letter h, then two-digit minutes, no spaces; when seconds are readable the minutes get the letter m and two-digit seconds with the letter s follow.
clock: 9h14
